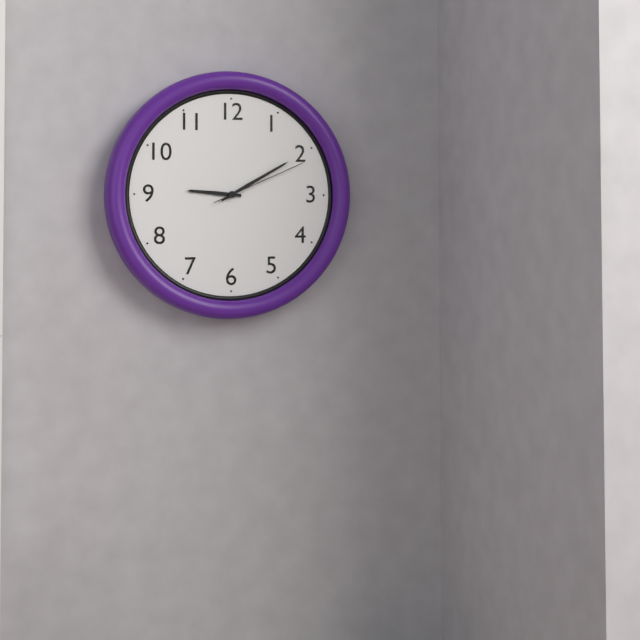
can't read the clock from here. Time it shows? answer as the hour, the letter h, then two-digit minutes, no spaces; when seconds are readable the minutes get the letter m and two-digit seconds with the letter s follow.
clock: 9h10m11s
